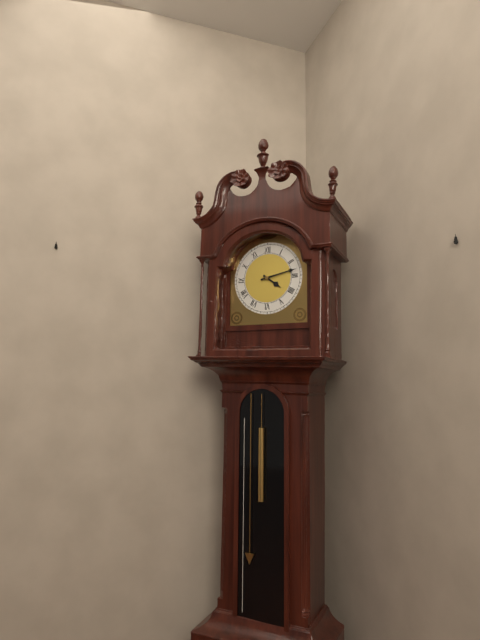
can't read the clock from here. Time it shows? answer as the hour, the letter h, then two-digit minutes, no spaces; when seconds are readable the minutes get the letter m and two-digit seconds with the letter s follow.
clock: 4h13
